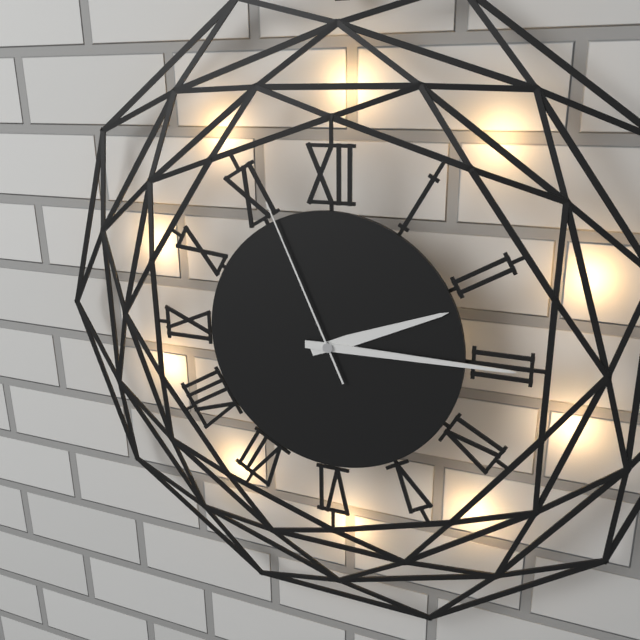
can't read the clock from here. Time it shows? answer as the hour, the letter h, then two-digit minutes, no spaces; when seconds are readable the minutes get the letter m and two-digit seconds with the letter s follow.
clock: 2h15m56s
